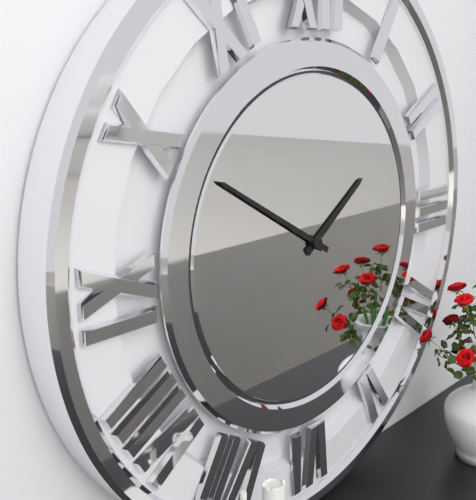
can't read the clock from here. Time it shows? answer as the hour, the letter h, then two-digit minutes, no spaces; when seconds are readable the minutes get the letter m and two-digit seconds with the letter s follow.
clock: 1h50
